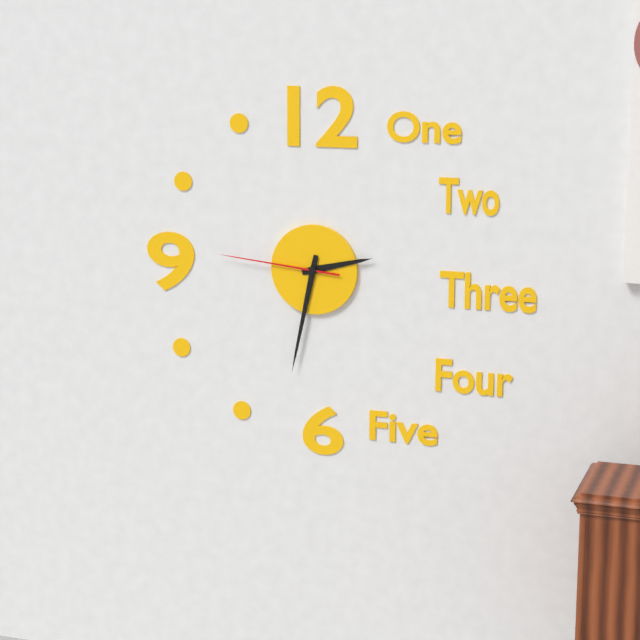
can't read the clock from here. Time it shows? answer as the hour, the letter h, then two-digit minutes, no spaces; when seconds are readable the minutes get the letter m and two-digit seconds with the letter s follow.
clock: 2h32m46s
